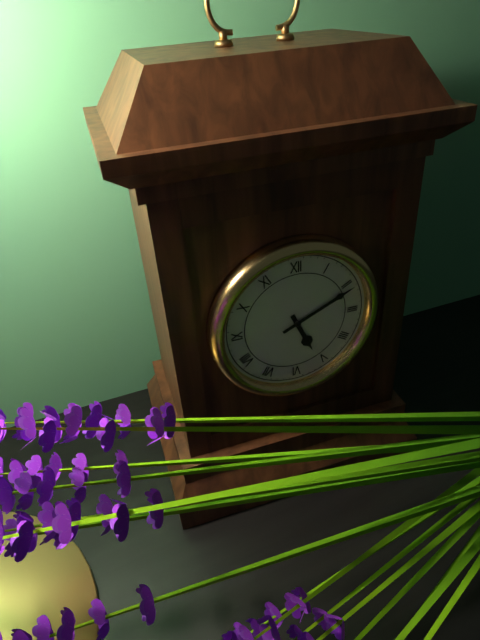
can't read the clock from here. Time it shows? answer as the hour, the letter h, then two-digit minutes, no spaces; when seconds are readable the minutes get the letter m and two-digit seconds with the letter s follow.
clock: 5h11
